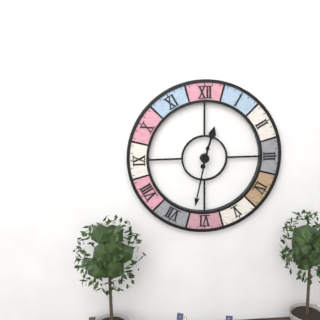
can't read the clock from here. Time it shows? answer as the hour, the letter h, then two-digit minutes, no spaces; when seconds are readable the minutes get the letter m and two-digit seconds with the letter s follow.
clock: 12h32
